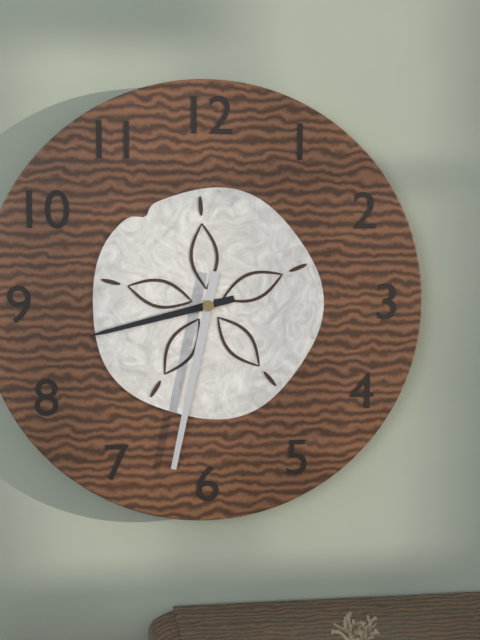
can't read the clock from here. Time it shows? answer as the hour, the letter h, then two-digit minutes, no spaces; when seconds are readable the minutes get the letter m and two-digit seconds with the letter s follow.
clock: 8h32
